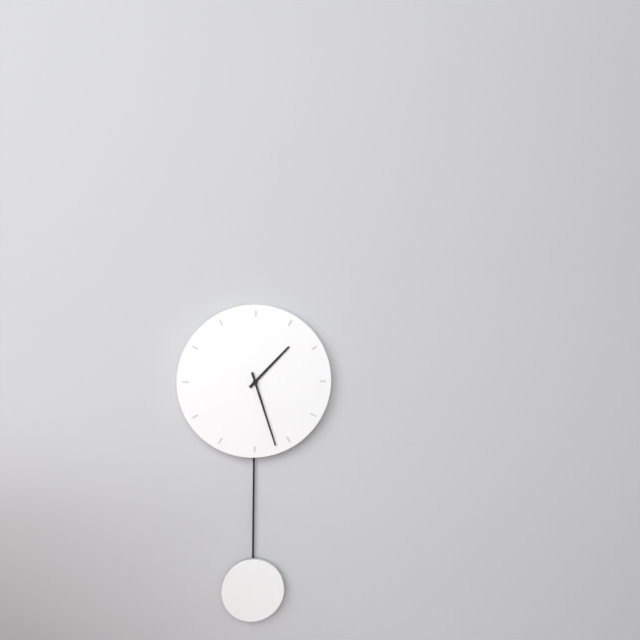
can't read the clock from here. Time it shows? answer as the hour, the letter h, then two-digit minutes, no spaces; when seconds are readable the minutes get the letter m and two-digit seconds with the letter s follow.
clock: 1h27
